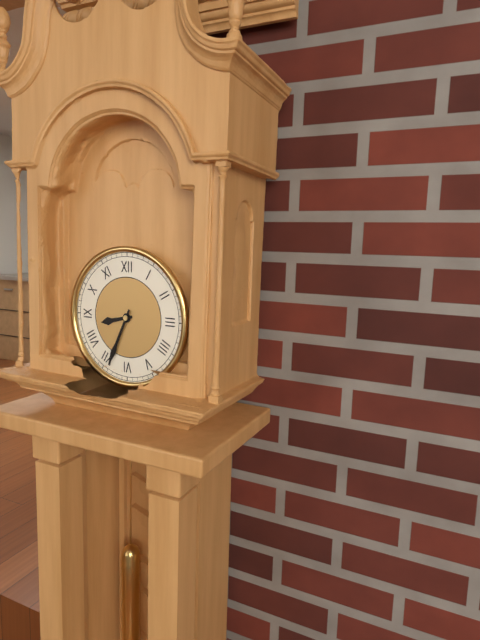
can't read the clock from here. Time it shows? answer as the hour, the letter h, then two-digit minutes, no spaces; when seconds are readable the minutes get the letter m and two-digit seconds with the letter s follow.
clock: 8h34
